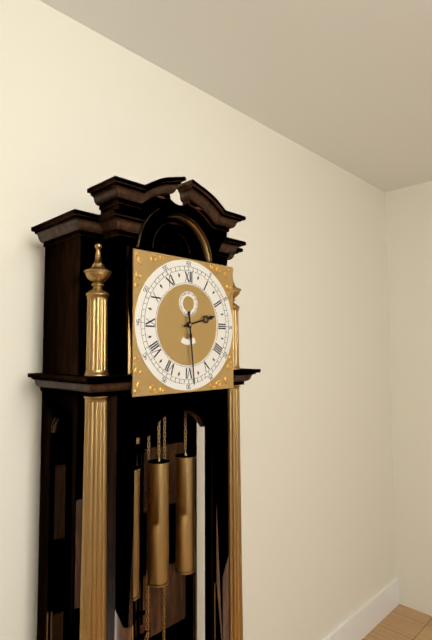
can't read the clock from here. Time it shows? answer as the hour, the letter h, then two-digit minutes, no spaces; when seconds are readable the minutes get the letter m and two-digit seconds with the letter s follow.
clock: 2h29
